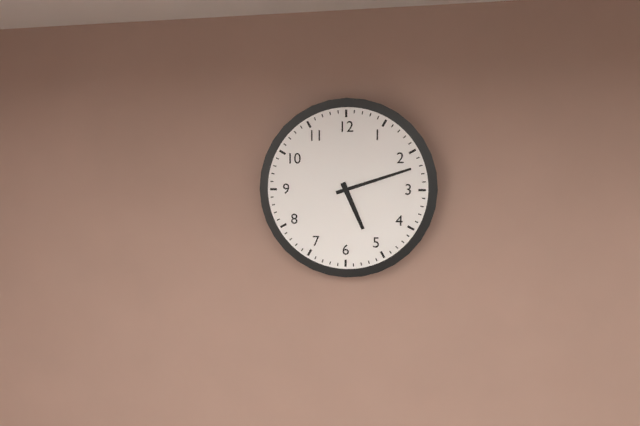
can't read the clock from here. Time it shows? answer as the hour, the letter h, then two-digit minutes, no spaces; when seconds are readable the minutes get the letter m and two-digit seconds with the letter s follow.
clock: 5h12
